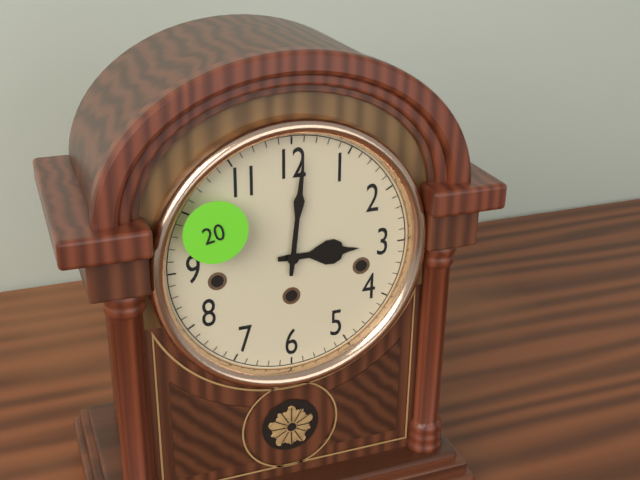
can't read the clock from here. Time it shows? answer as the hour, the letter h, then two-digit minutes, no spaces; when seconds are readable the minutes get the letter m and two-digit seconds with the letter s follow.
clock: 3h01
